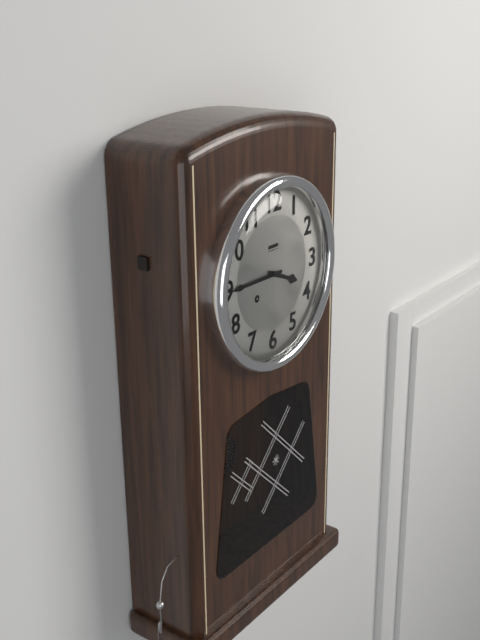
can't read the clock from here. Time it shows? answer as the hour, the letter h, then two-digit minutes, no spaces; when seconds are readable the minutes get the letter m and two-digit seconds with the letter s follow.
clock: 3h45
